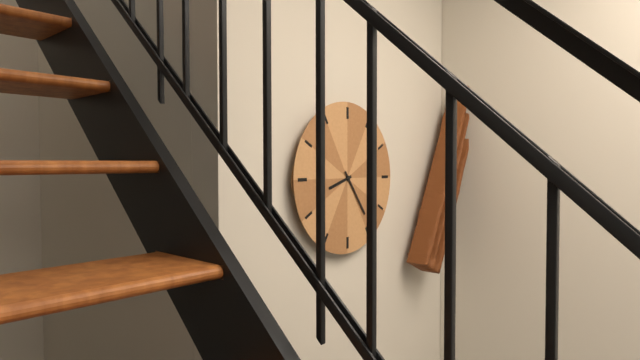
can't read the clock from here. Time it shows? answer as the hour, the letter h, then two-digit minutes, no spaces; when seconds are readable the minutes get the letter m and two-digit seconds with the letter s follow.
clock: 8h24
